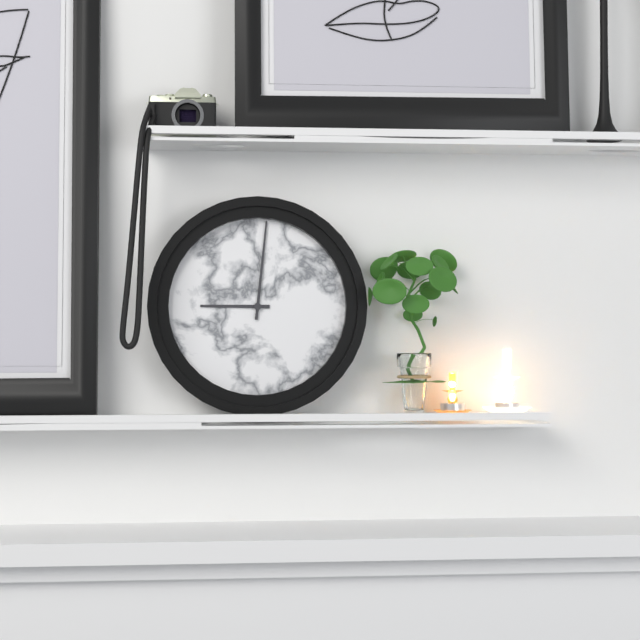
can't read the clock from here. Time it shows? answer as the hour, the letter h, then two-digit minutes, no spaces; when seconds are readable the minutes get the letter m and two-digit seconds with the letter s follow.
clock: 9h01
